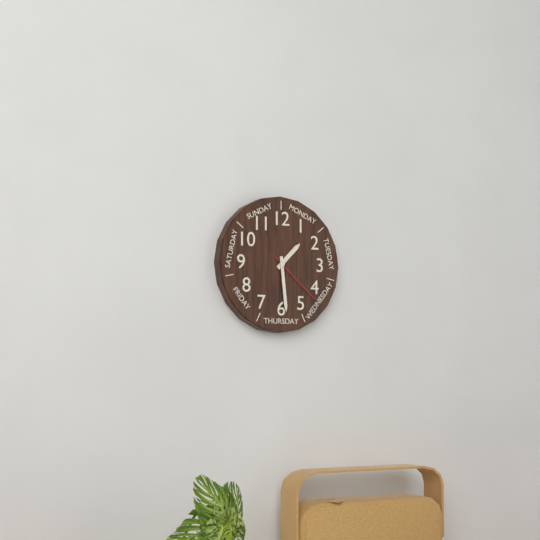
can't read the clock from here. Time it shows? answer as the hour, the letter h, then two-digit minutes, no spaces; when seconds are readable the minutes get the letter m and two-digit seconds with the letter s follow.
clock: 1h29m22s
